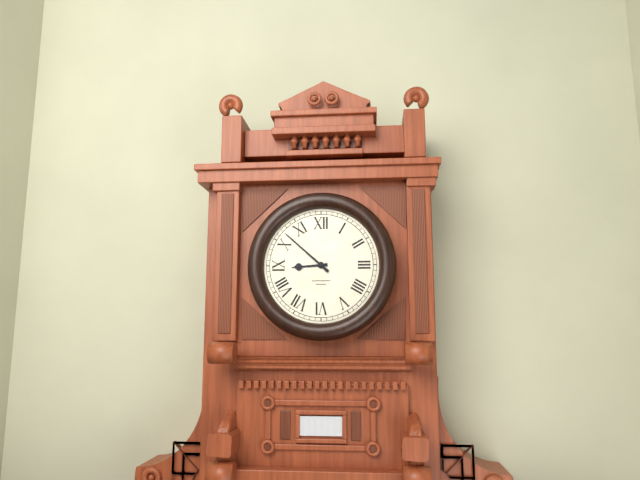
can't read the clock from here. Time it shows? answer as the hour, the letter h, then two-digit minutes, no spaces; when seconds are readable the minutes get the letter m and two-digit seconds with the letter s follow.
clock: 8h52
